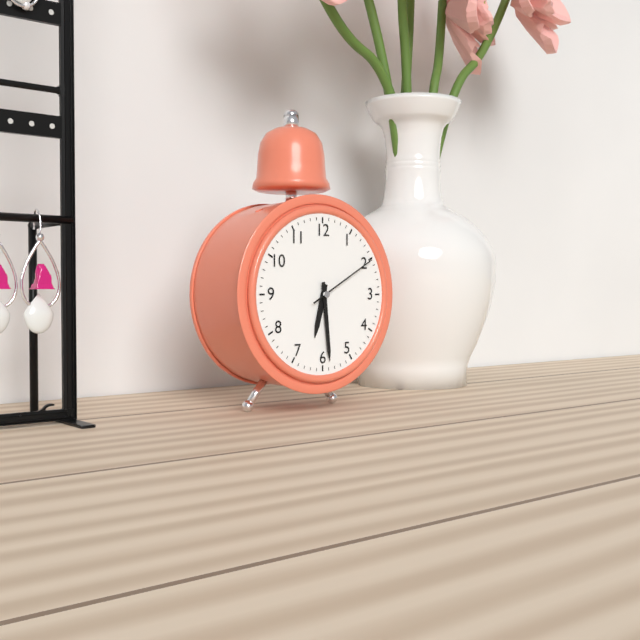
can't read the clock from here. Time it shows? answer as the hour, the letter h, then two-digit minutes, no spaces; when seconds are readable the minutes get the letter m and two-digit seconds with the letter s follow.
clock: 6h29m10s
